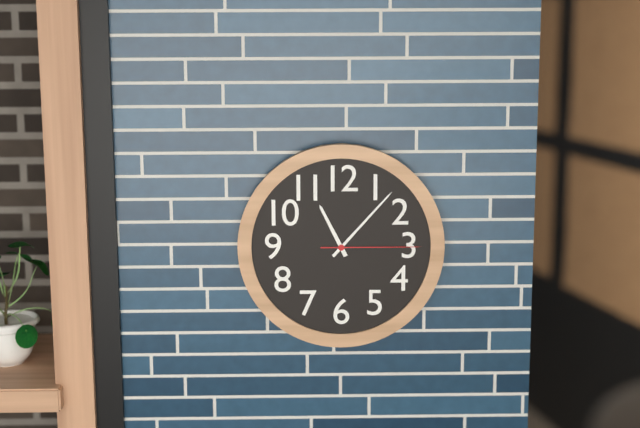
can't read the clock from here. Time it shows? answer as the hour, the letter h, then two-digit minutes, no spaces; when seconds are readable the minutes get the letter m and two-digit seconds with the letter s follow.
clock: 11h07m15s
